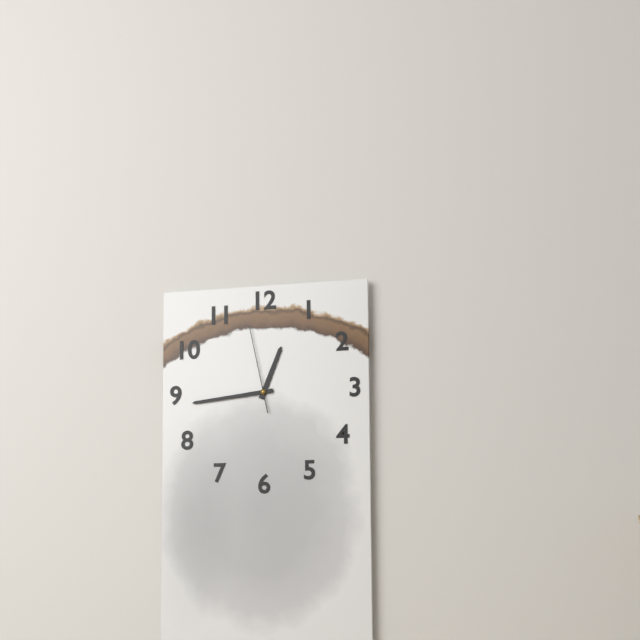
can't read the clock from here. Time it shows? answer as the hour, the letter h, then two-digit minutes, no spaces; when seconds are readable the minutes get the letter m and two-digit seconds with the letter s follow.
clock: 12h44m58s
